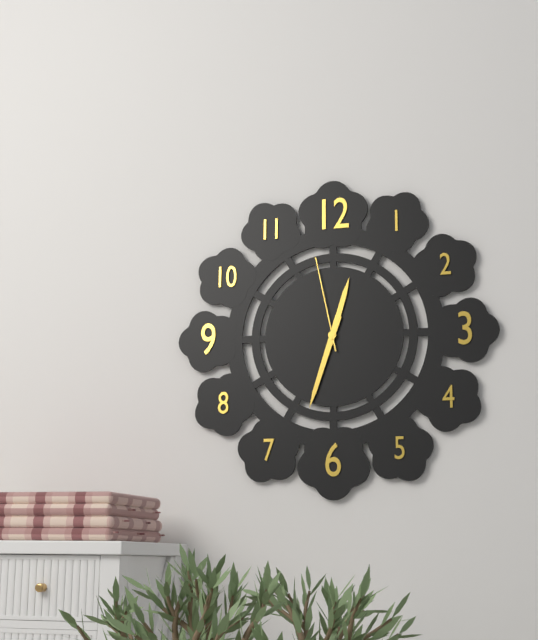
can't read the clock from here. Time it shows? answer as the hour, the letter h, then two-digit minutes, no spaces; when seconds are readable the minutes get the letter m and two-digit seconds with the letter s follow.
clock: 12h33m58s
